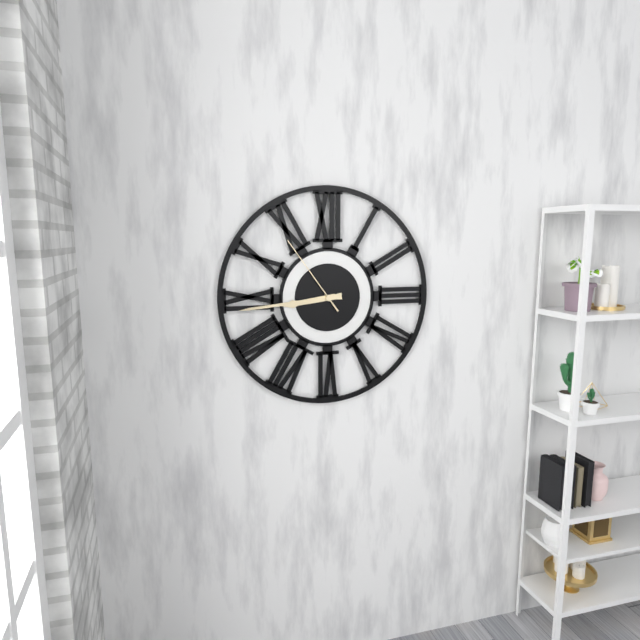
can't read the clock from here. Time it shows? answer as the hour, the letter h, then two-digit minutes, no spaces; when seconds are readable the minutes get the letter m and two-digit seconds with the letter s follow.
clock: 8h44m54s
